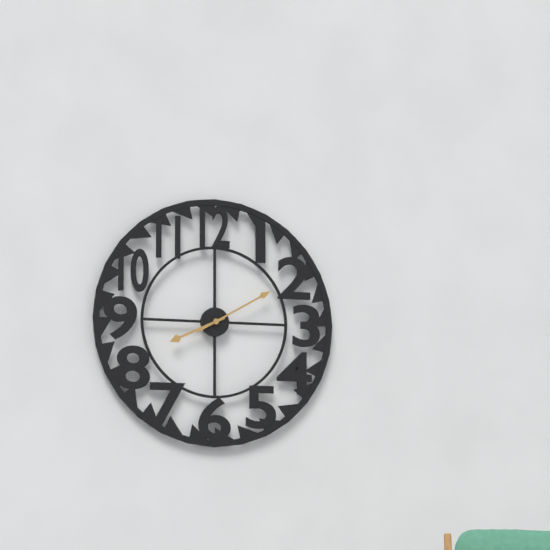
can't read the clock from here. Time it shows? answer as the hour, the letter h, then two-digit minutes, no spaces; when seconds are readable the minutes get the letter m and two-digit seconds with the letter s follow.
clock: 8h10
